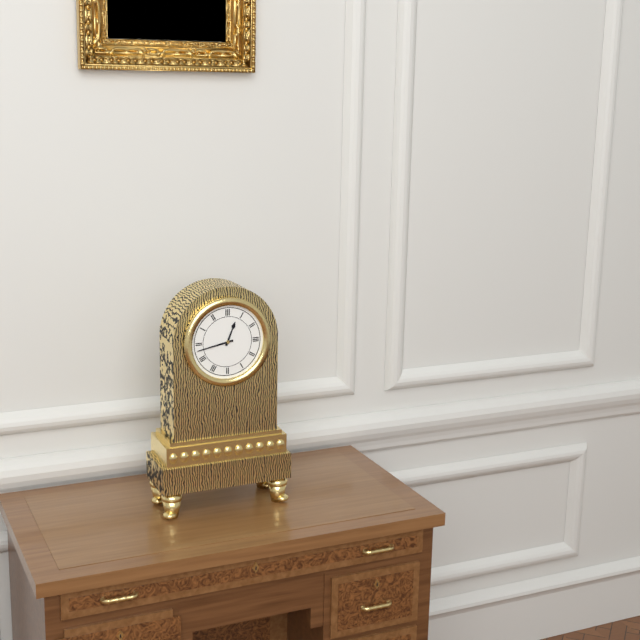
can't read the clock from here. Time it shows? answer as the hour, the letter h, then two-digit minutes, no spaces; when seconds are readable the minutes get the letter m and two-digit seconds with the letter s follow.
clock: 12h43
